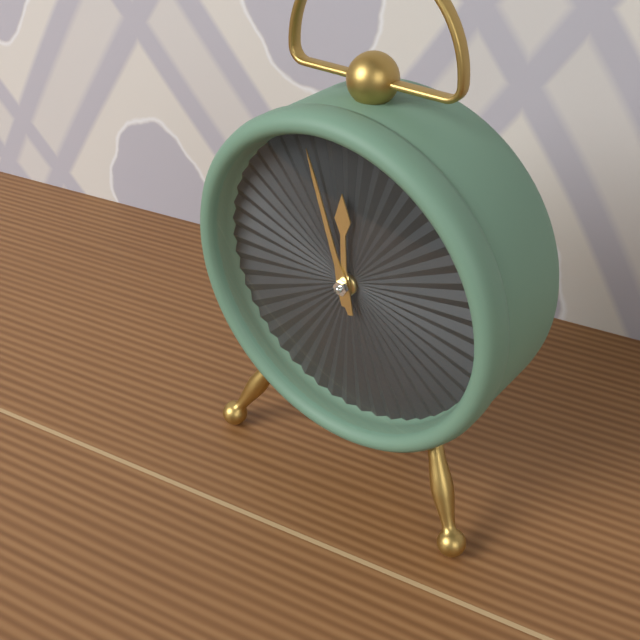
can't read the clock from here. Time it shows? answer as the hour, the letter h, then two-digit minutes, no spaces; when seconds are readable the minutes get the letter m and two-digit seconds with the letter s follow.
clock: 11h57
